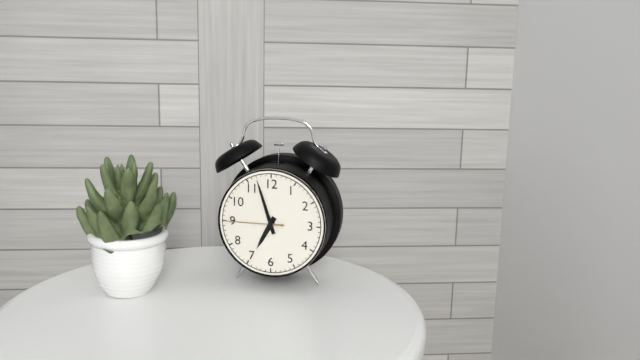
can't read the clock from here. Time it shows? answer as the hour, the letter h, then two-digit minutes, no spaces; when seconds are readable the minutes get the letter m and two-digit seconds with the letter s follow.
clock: 6h57m45s
